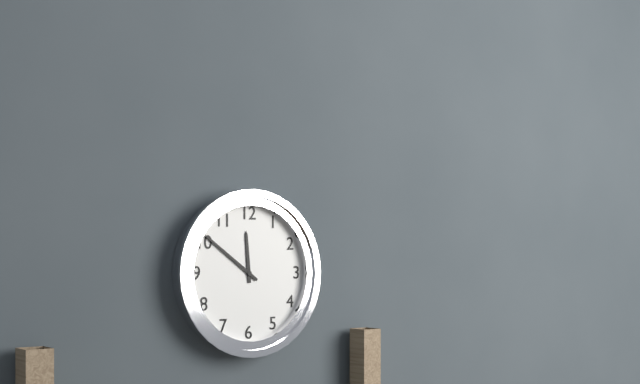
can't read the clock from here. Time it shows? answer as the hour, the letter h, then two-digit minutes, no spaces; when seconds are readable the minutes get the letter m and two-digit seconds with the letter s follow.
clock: 11h51
